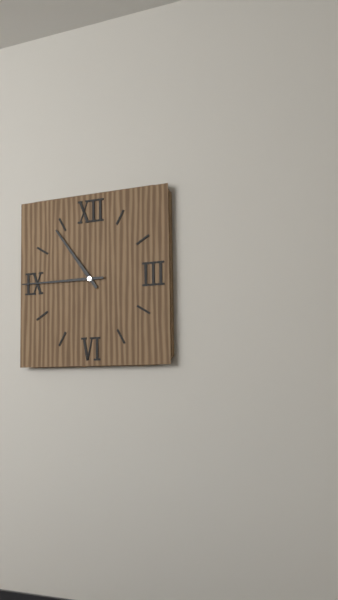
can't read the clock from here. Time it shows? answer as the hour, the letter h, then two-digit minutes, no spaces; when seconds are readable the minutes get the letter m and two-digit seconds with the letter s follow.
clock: 10h45
